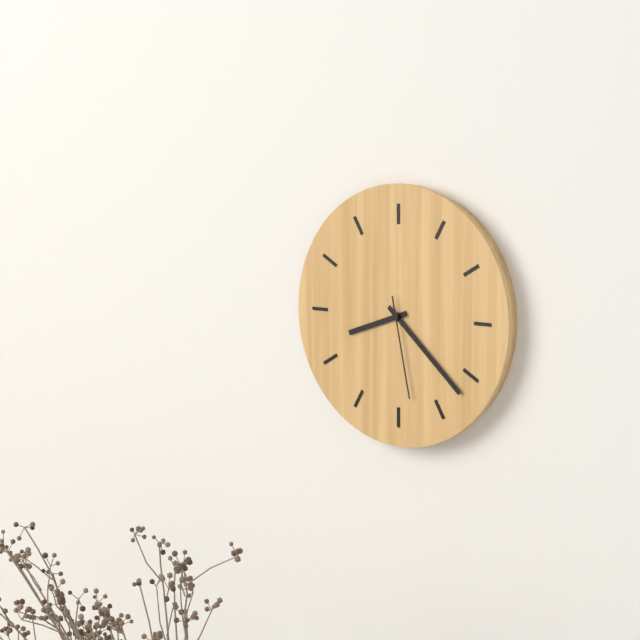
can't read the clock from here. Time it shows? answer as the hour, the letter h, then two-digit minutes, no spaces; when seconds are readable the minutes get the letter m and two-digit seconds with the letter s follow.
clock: 8h22m28s
